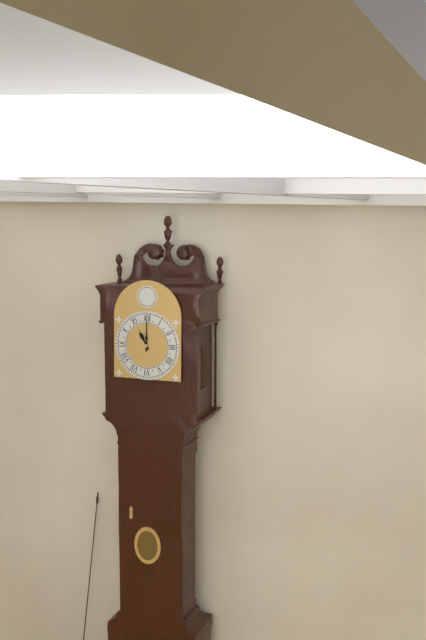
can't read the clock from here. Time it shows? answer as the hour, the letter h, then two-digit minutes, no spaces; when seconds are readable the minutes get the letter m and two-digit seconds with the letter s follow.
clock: 11h00
